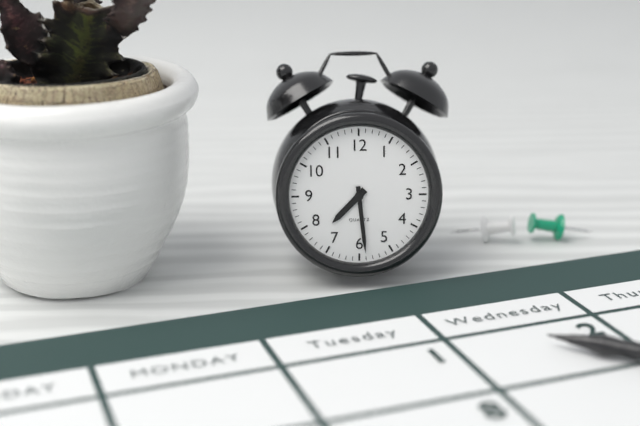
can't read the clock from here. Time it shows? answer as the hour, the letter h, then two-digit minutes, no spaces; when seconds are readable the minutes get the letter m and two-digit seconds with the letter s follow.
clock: 7h29
